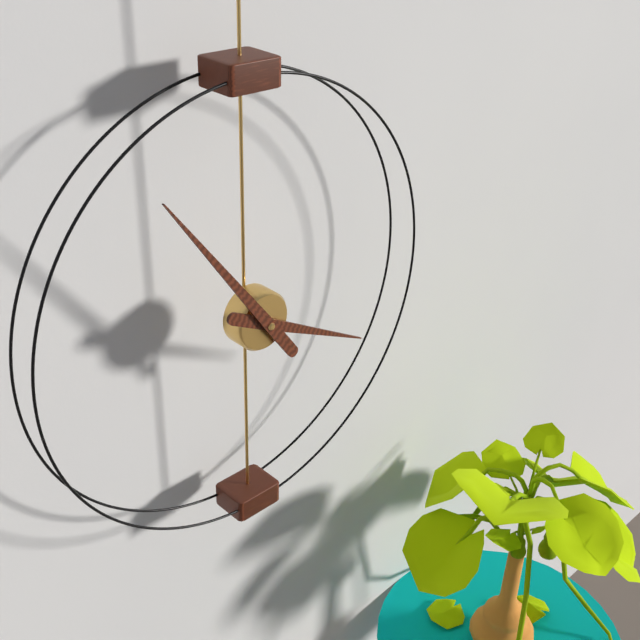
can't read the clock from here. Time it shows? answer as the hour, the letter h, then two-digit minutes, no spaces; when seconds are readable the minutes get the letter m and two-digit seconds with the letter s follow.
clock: 3h54
